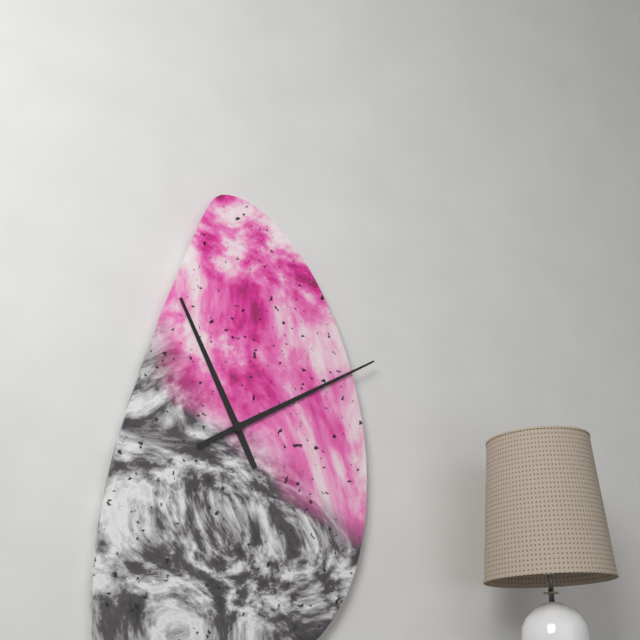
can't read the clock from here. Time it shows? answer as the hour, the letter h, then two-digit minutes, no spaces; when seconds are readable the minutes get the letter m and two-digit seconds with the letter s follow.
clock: 11h10
